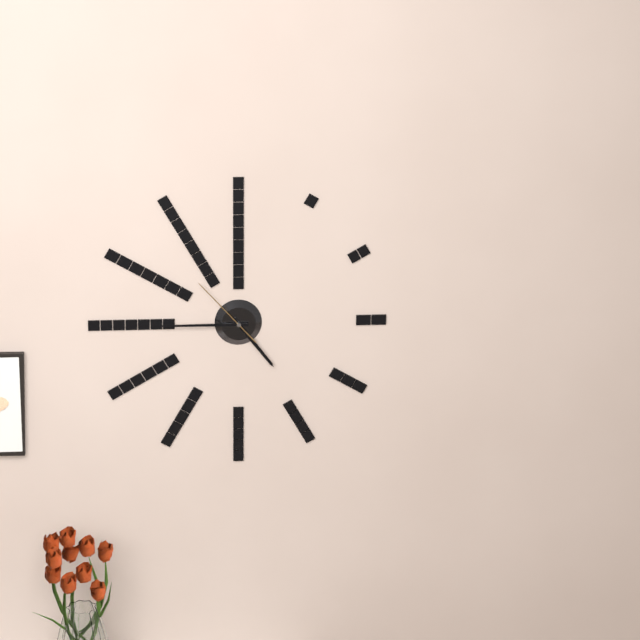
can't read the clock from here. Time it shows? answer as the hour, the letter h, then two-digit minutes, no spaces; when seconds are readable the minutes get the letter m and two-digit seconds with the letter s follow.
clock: 4h45m53s
